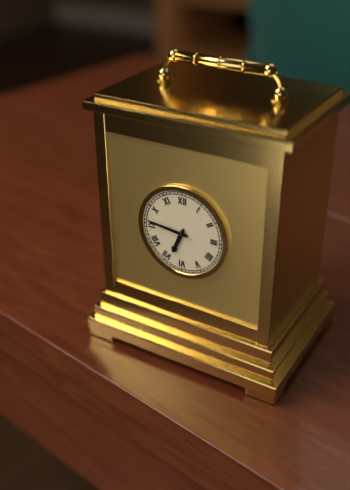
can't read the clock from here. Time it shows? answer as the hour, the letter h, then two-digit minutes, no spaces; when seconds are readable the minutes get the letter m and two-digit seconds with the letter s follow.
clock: 6h46
